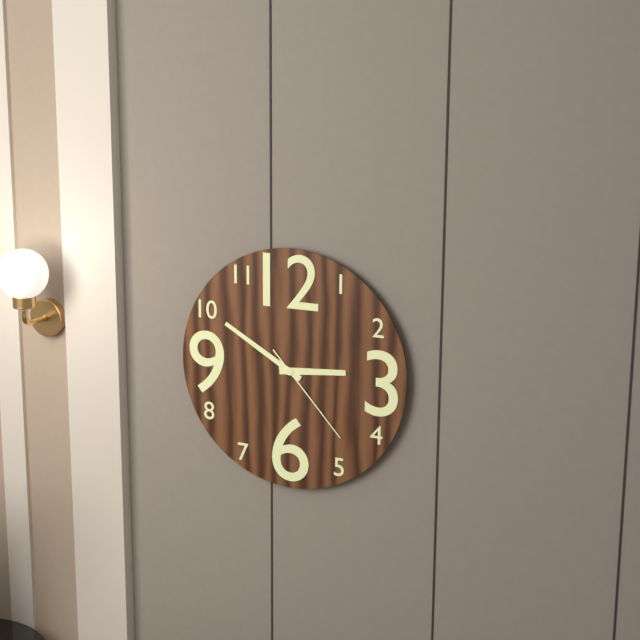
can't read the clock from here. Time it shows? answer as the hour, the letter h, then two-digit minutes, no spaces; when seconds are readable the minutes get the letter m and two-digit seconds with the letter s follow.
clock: 2h50m23s
